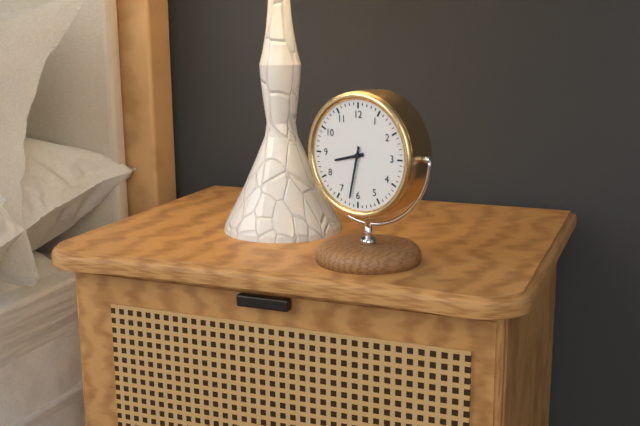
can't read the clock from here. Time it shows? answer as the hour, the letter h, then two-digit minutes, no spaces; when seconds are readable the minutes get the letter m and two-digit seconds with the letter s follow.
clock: 8h32
